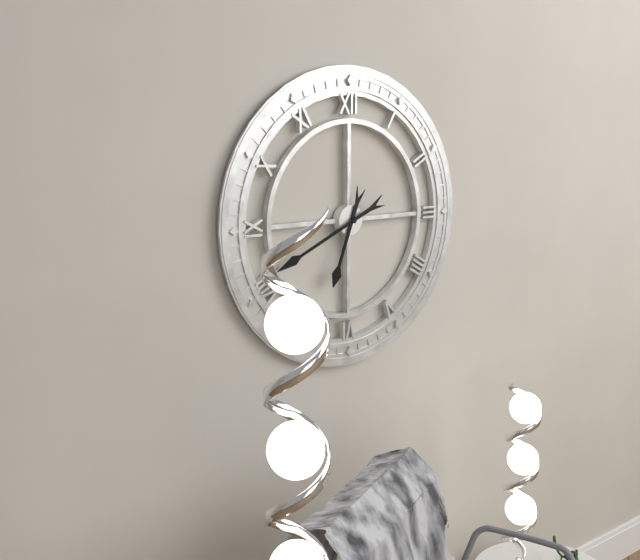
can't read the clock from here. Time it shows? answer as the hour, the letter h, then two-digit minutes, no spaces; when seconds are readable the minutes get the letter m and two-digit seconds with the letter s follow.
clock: 6h41
